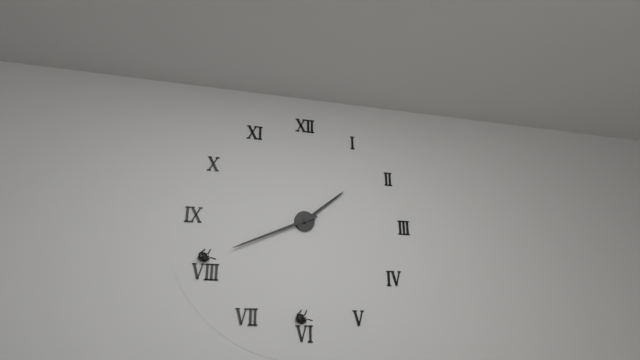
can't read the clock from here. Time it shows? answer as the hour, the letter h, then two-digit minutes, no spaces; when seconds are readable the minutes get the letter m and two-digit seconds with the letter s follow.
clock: 1h41
